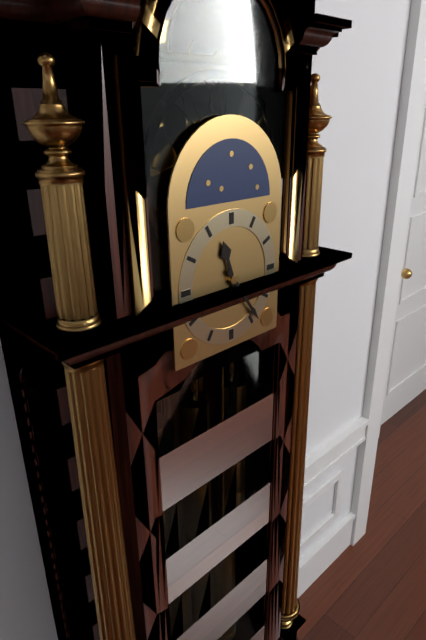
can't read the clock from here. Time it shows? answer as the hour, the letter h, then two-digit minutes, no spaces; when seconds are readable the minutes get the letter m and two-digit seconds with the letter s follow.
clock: 11h24
